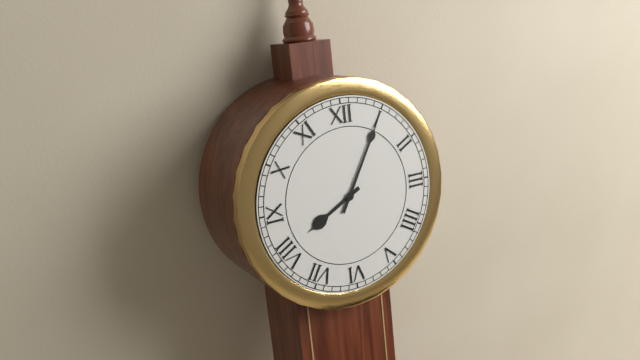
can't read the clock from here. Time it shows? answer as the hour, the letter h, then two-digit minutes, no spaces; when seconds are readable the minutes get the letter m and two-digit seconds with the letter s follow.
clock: 8h05
